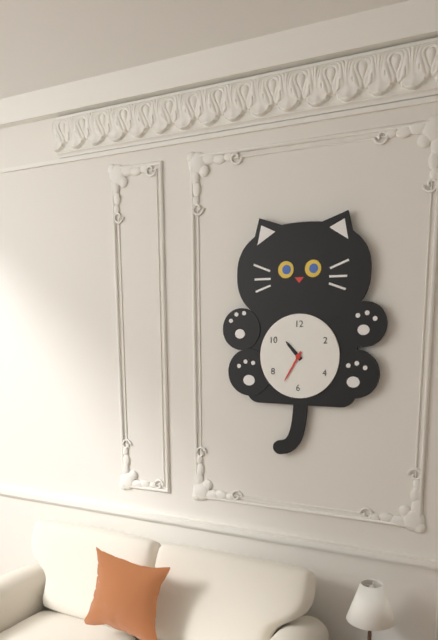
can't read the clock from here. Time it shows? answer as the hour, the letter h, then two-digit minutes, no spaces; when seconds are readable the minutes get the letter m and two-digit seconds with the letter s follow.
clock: 10h35
